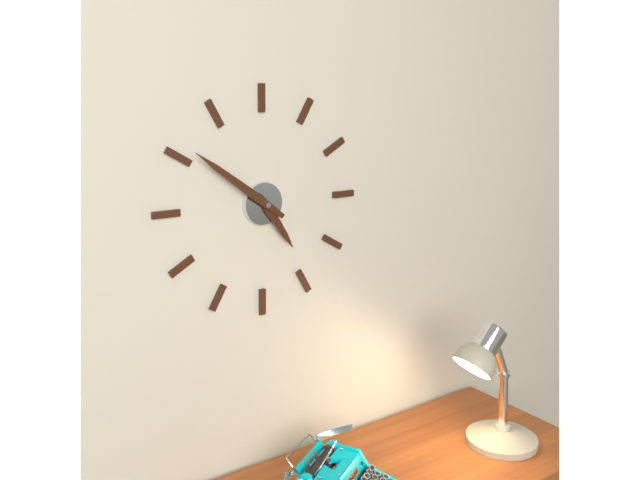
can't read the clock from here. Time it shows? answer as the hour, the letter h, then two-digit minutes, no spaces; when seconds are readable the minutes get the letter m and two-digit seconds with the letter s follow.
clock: 4h51
